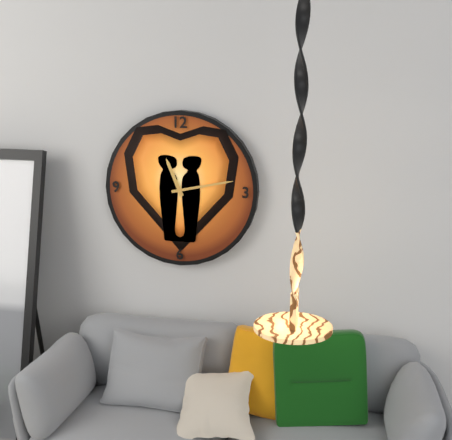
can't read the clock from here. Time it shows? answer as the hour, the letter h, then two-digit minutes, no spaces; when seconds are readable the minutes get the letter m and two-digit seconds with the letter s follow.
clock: 11h13
